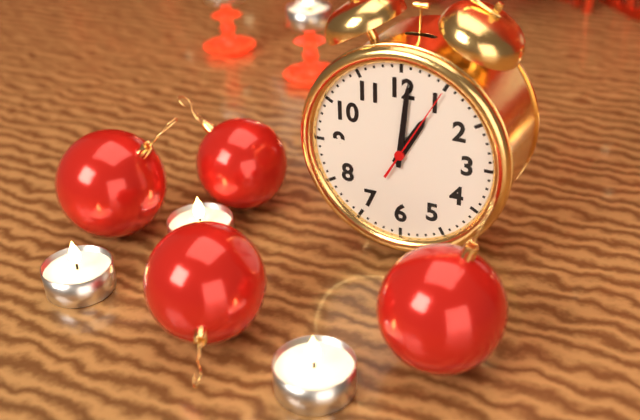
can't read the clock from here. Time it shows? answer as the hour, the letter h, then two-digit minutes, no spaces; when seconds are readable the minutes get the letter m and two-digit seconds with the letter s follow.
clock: 1h01m05s
